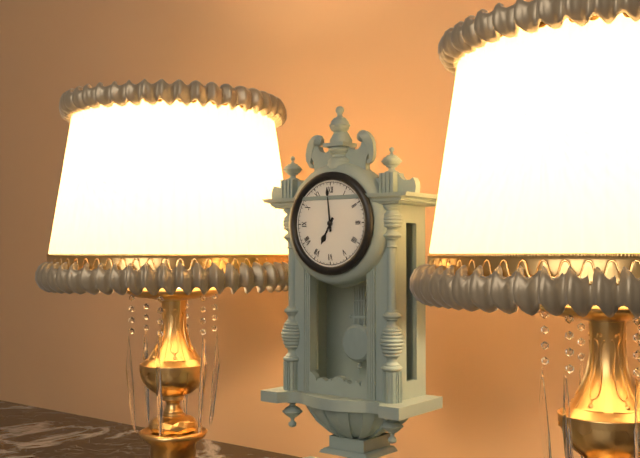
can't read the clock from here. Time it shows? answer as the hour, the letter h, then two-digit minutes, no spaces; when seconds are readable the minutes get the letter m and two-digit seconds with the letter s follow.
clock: 6h59
